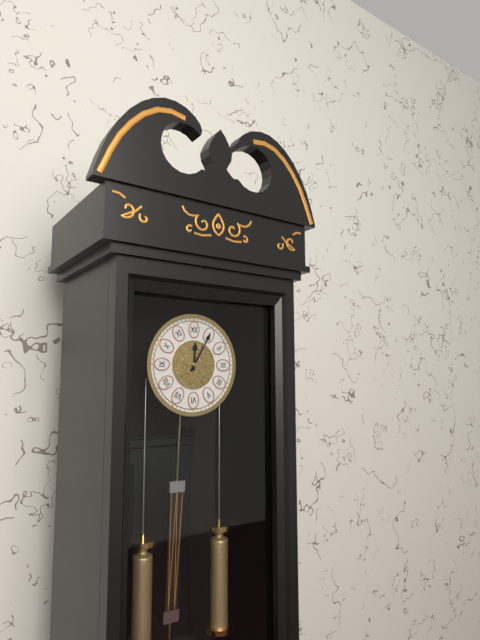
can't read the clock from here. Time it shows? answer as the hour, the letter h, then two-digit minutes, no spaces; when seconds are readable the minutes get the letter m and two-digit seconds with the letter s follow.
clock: 12h05
